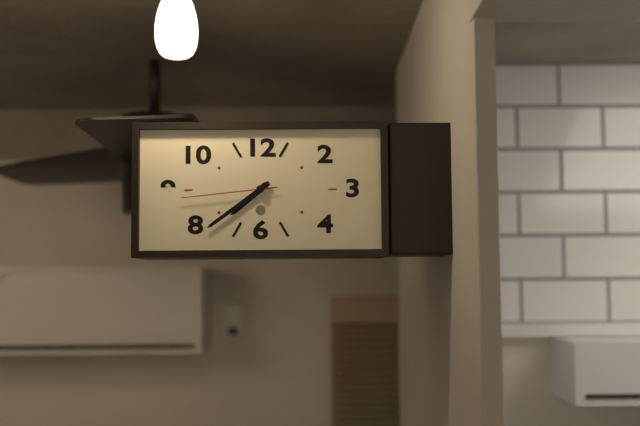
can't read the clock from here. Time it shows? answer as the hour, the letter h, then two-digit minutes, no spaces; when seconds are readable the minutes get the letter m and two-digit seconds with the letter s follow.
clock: 7h39m44s
